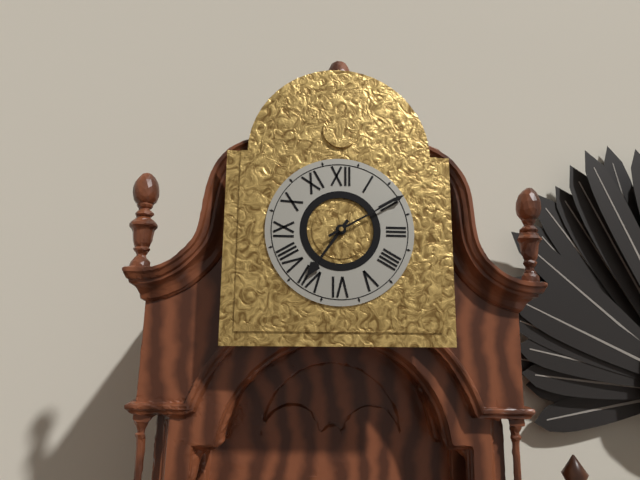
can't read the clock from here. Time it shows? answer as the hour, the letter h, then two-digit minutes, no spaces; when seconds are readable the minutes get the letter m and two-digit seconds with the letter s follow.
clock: 7h10
